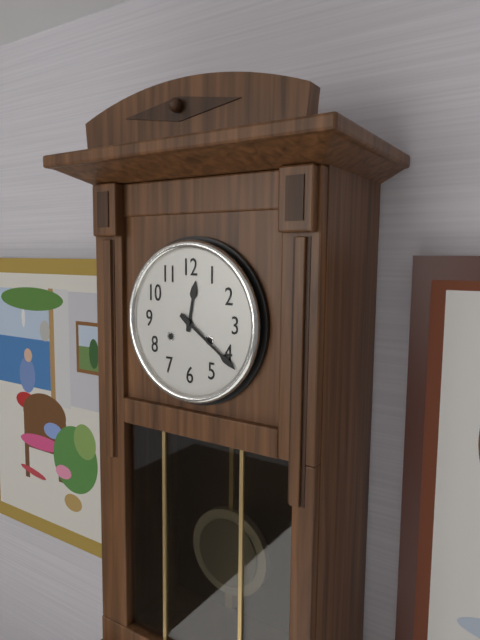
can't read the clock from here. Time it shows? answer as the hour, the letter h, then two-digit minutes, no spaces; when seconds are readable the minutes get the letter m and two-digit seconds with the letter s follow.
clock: 12h21
